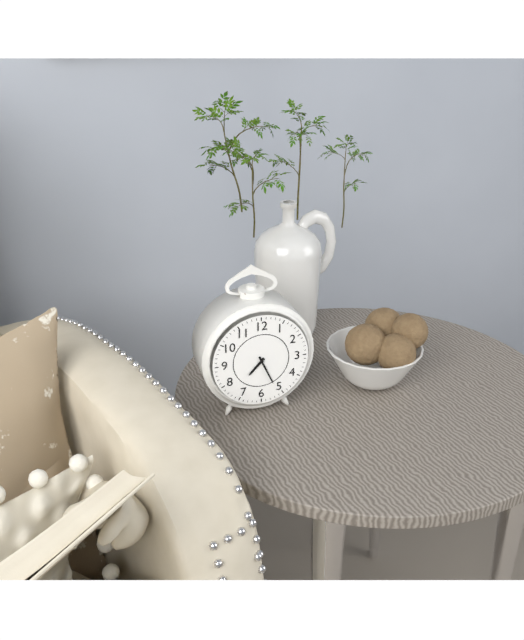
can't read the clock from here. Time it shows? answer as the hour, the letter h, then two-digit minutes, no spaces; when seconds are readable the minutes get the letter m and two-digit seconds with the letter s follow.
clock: 7h26
